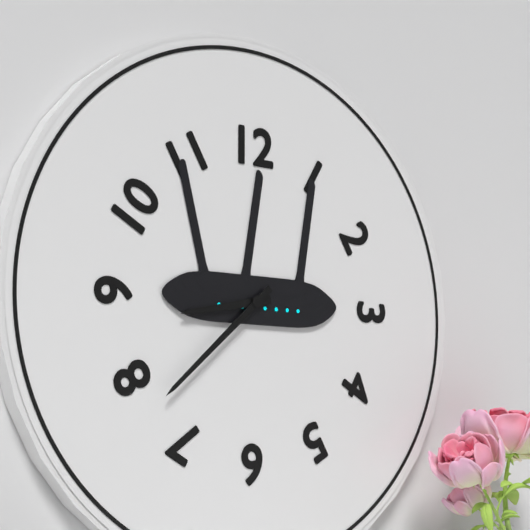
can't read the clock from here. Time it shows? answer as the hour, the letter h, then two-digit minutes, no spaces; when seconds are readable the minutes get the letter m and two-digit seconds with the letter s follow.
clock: 8h38
